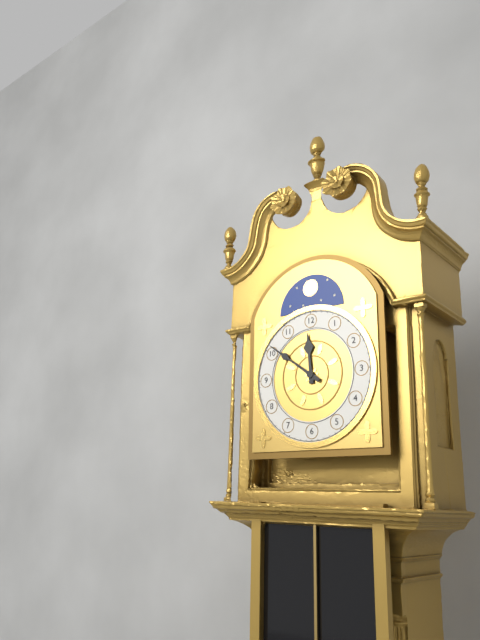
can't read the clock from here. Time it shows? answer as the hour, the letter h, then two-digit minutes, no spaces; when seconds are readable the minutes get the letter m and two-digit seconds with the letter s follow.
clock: 11h51
